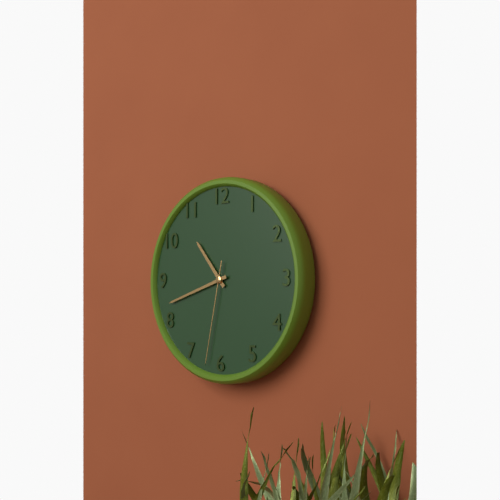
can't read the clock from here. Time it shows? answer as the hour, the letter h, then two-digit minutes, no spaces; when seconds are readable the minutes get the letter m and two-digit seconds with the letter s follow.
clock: 10h42m32s
